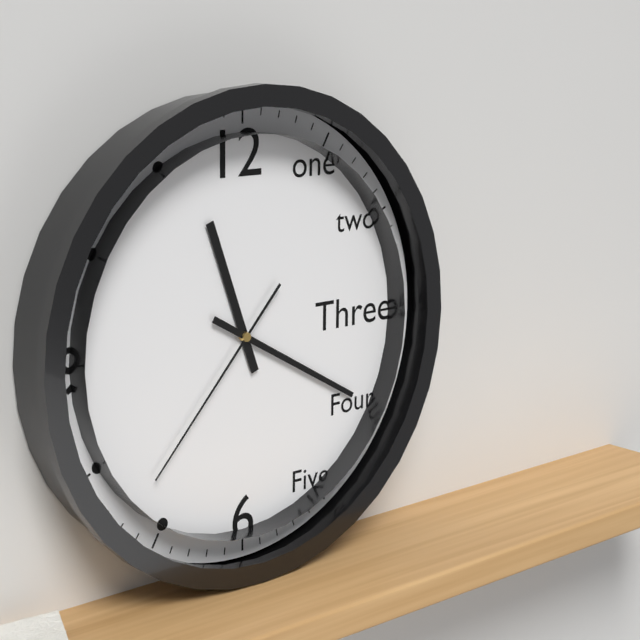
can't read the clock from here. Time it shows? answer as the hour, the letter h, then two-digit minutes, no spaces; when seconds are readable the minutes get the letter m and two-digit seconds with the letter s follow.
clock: 11h20m37s
